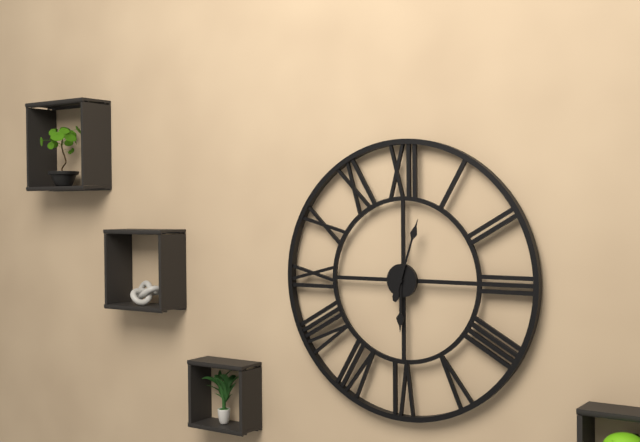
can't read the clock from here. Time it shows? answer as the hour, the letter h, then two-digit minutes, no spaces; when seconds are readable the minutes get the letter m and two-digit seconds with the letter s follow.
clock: 6h03
